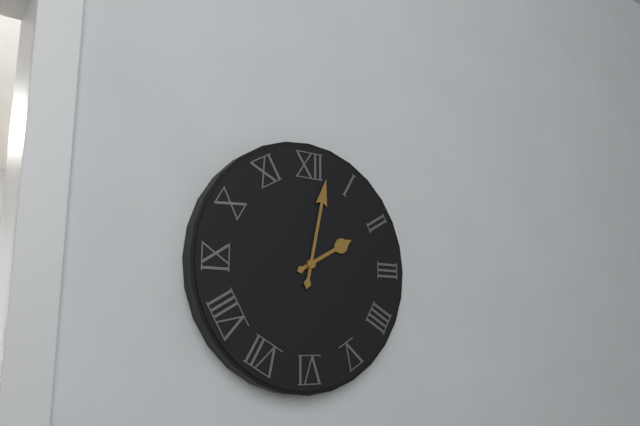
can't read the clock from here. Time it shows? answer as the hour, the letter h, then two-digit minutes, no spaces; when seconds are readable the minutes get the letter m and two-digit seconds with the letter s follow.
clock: 2h02
